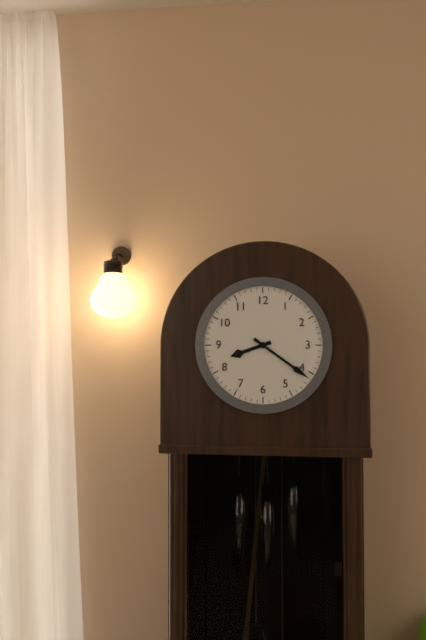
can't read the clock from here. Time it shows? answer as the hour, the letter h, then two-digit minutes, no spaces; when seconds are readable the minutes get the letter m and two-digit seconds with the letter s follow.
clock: 8h21
